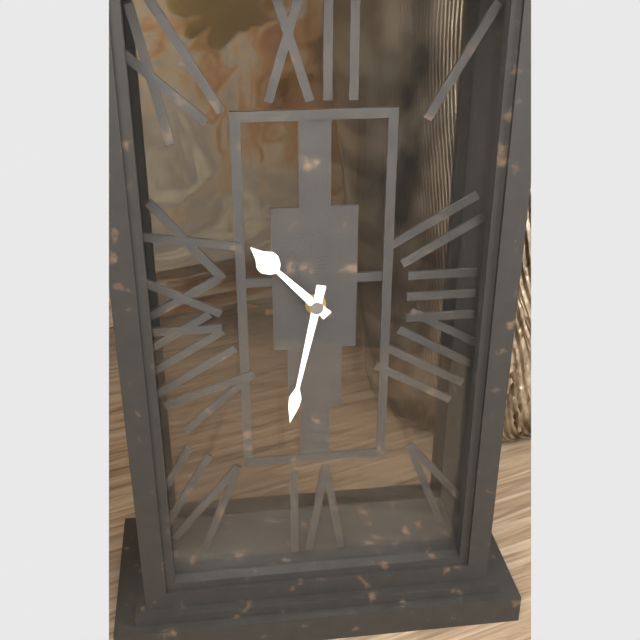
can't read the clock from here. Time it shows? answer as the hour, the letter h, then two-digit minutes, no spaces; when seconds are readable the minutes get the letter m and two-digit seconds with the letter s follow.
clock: 10h32
